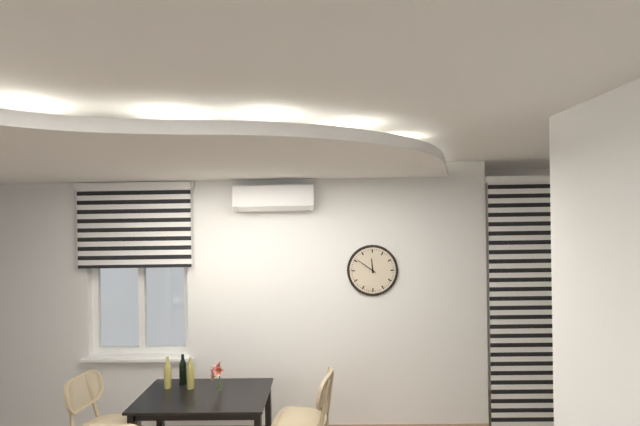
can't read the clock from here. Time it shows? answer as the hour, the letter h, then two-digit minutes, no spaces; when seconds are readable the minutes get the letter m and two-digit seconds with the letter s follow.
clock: 11h51
